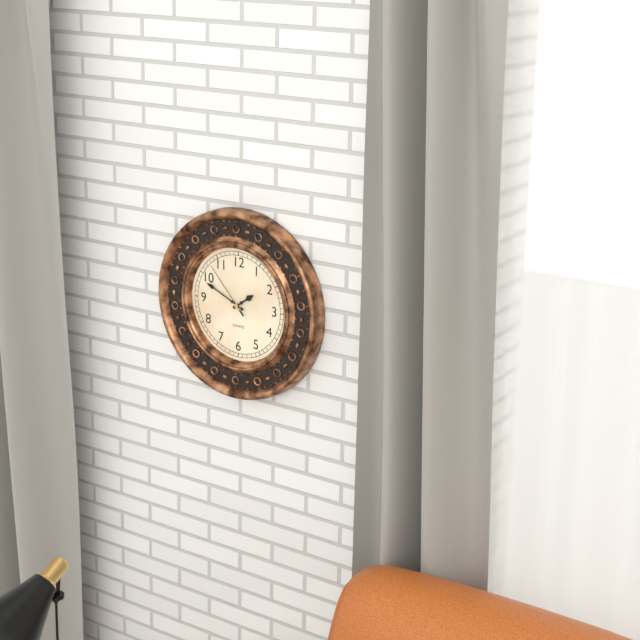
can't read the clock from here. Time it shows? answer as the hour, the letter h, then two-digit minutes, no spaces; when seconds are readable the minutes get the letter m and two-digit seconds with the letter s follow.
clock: 1h49m53s
